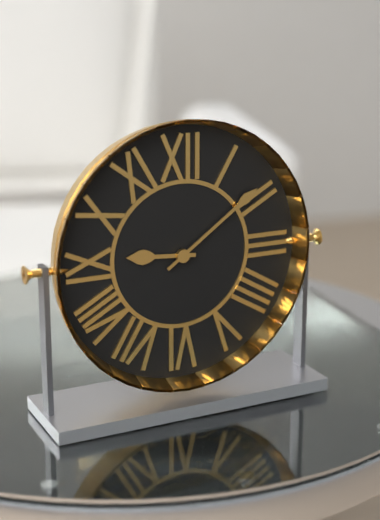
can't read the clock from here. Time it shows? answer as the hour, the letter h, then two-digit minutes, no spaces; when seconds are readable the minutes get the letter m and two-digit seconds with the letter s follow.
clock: 9h09
